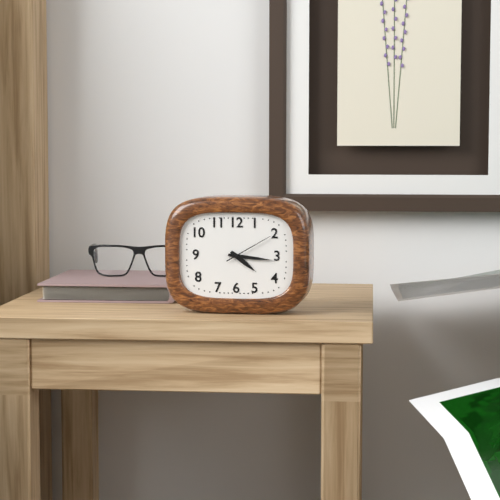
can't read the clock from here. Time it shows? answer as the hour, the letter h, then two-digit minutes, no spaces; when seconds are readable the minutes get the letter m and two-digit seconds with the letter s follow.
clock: 4h16
